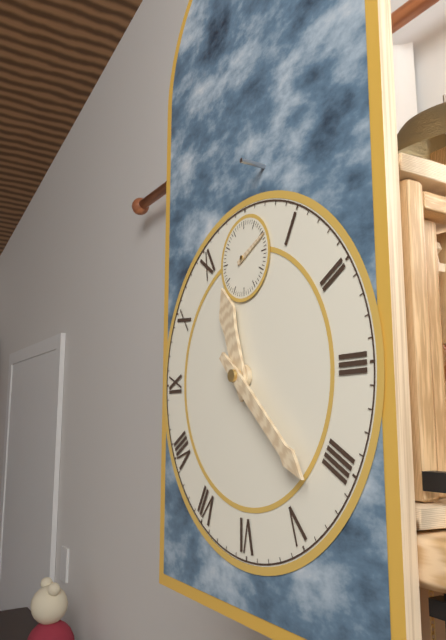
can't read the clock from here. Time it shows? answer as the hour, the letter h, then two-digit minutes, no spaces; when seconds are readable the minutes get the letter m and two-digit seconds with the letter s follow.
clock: 11h22
